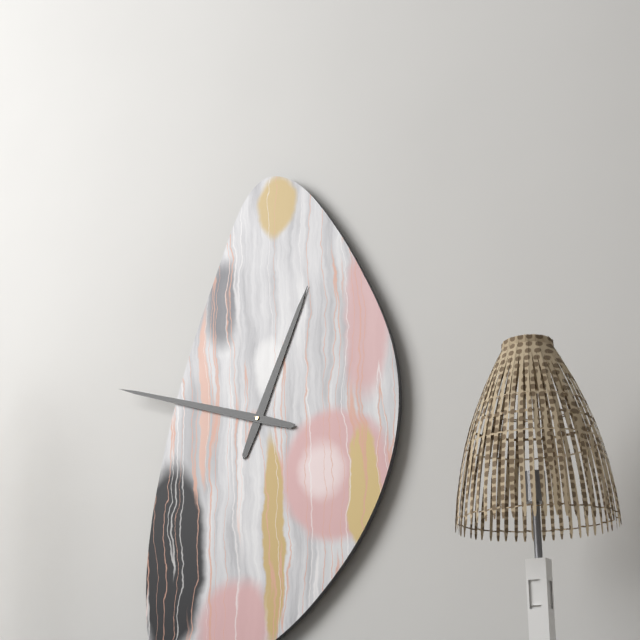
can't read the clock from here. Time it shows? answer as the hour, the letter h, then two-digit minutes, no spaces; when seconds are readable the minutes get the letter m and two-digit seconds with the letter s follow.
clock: 12h48
